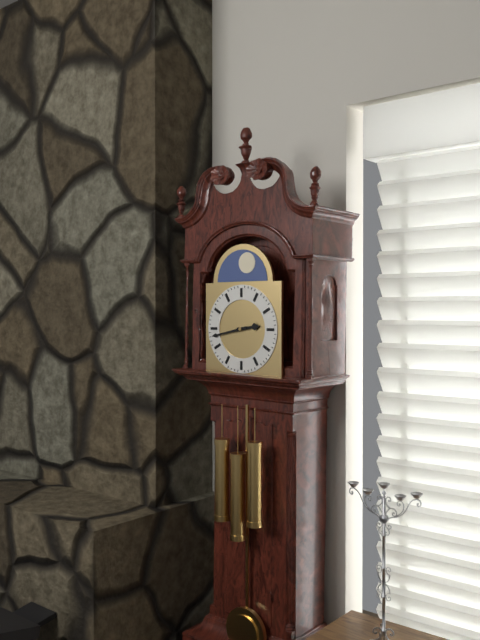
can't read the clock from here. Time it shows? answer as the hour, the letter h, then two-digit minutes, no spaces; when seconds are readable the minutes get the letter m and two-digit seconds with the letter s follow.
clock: 2h43
